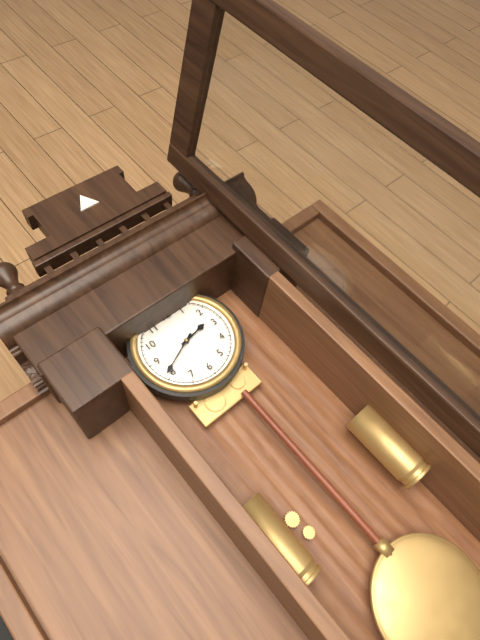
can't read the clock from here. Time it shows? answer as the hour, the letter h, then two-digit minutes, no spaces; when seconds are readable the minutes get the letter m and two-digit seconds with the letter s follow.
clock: 2h41
